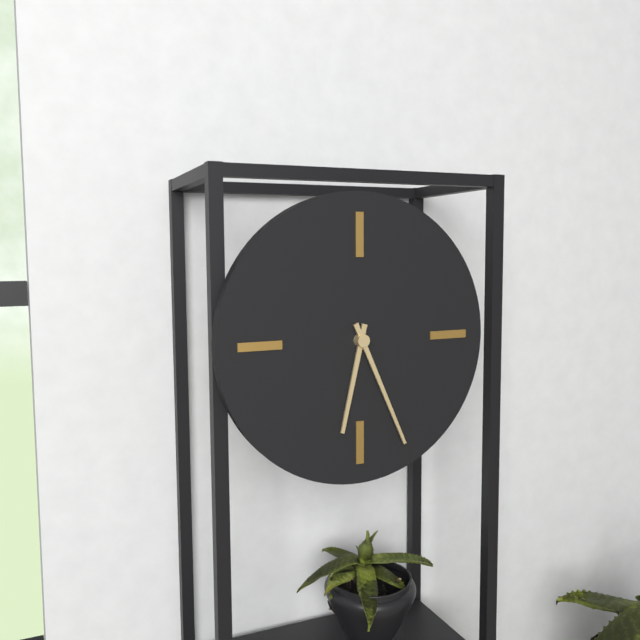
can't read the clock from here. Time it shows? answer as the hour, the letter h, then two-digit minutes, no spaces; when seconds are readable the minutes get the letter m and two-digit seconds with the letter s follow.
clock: 6h26
